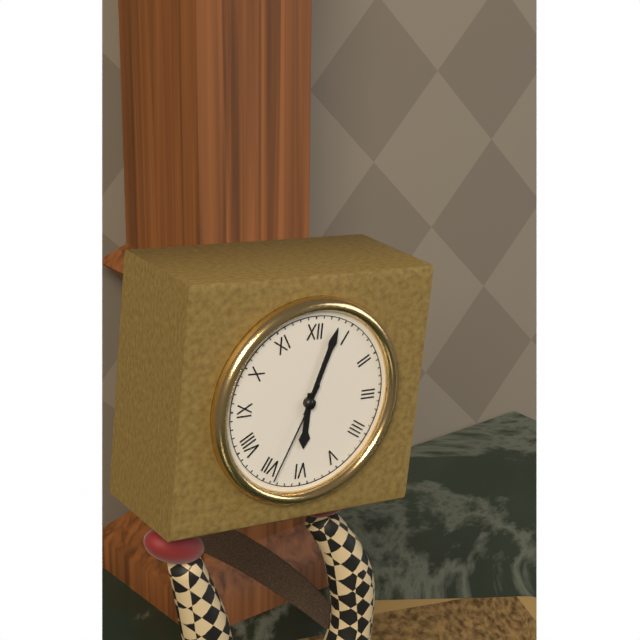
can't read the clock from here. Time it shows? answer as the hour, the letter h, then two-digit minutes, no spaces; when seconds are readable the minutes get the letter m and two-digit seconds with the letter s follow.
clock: 6h03m34s
